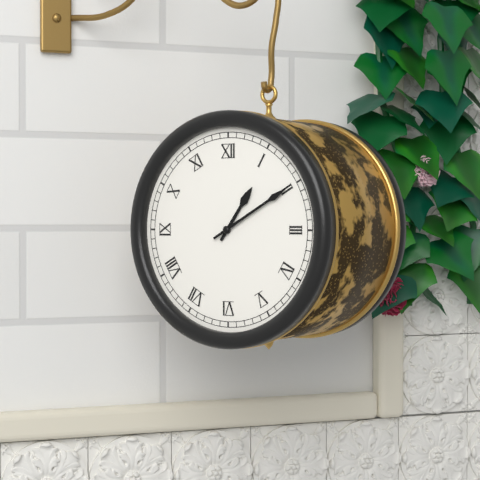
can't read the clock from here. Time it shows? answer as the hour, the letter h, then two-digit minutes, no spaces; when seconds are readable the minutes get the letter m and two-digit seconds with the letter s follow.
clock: 1h10
